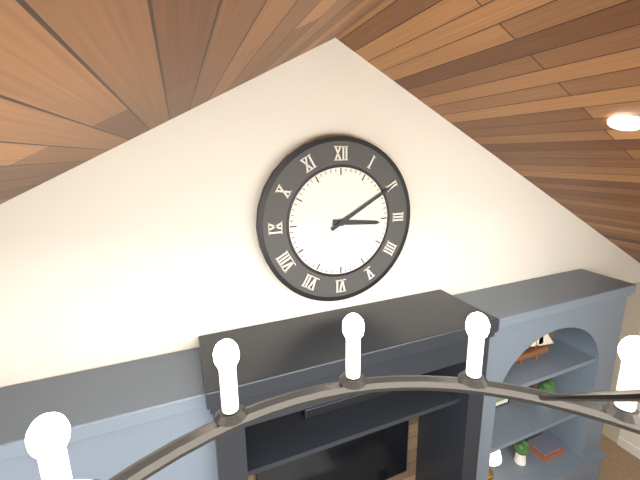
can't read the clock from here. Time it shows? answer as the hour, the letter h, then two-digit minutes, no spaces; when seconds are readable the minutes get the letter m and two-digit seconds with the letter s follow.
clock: 3h10
